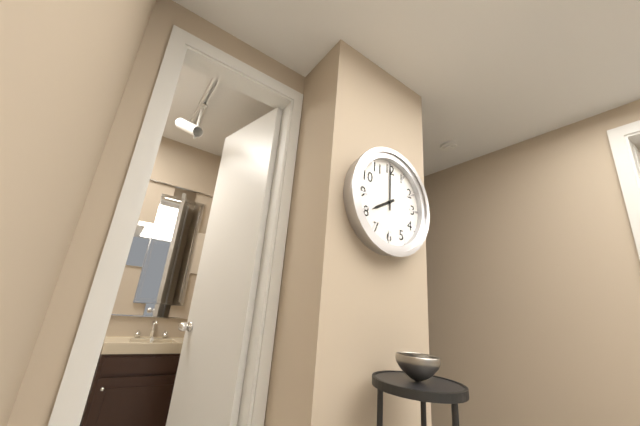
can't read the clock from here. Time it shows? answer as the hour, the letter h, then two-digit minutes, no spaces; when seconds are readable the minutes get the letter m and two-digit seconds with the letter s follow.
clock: 8h00
